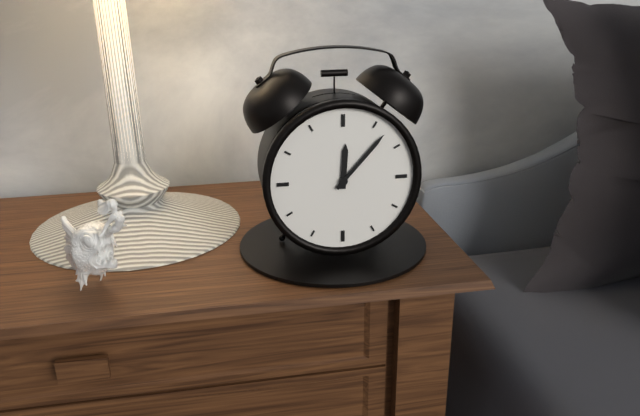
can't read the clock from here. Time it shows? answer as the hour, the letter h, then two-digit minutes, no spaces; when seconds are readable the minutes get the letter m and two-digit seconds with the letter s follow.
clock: 12h07
